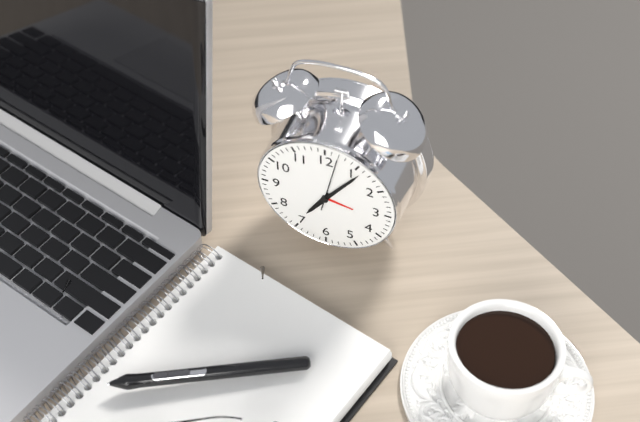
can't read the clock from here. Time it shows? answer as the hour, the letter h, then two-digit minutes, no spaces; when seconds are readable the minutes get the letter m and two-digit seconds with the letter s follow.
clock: 7h06
